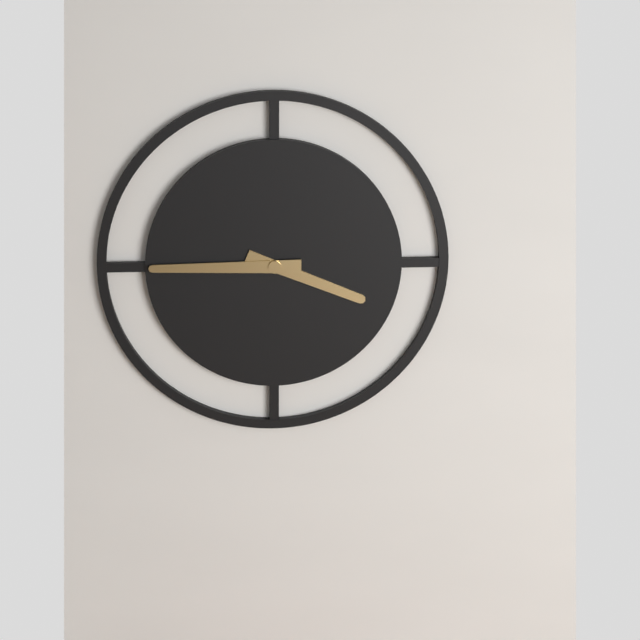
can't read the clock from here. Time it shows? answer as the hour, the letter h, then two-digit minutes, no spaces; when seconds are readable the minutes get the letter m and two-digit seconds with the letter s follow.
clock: 3h45
